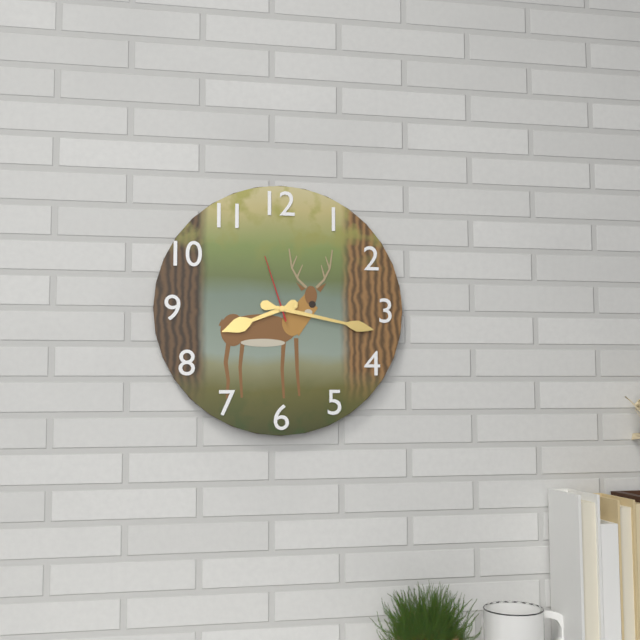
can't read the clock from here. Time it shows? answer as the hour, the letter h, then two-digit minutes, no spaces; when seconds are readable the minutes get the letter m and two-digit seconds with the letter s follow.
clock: 8h17m57s
